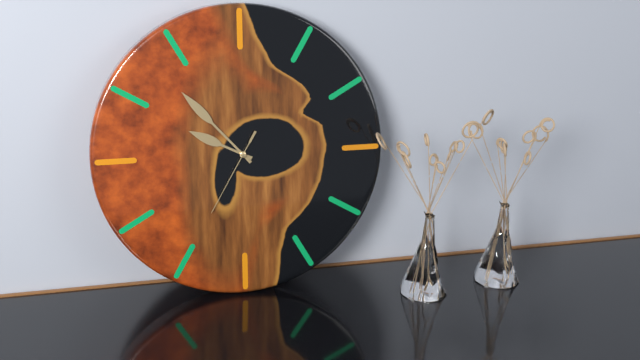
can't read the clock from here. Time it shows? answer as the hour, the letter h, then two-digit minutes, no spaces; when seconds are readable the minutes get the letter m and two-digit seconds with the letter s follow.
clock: 9h53m35s
